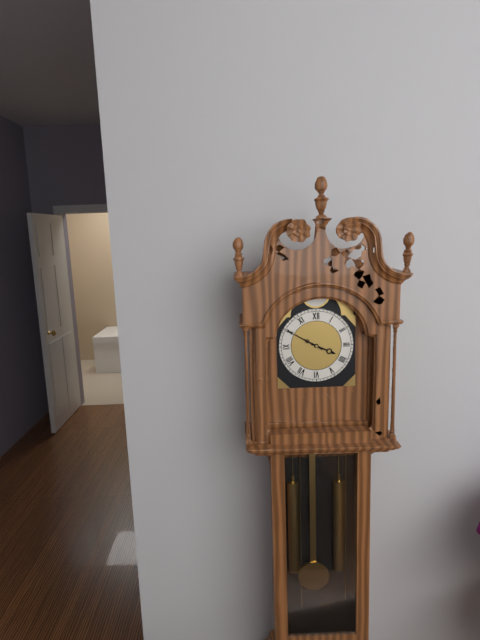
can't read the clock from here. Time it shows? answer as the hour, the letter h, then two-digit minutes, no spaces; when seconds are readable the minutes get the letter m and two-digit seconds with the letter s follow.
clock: 3h50
